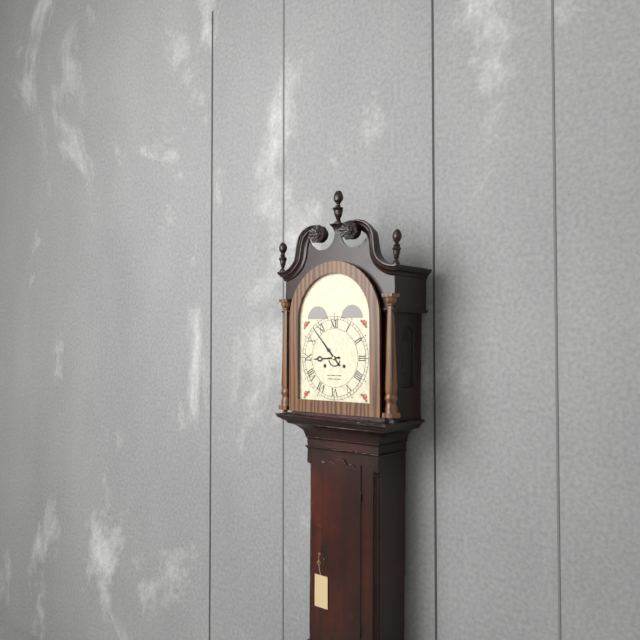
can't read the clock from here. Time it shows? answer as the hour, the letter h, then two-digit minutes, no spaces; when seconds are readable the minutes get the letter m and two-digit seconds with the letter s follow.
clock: 8h53
